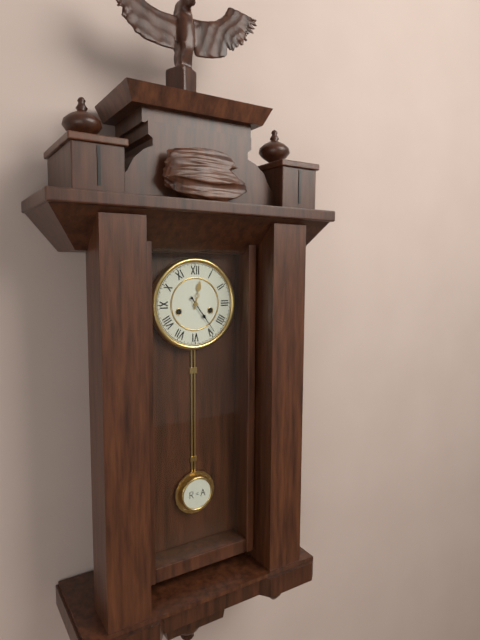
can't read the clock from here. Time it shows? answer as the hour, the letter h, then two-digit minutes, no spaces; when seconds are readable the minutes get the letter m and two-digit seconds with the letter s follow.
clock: 12h24
